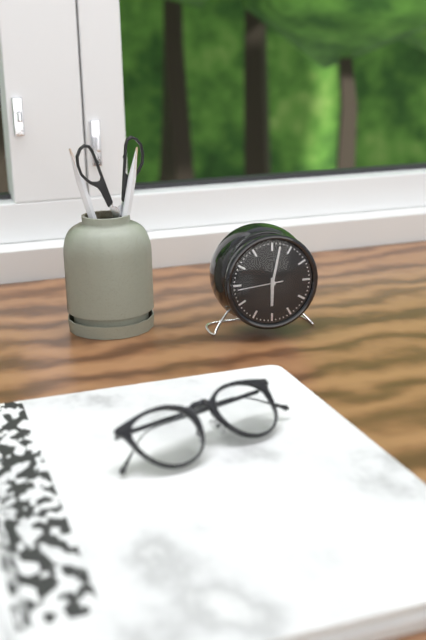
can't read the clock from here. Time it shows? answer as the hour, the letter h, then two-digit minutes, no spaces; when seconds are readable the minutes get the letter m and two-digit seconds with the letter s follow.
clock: 6h02
